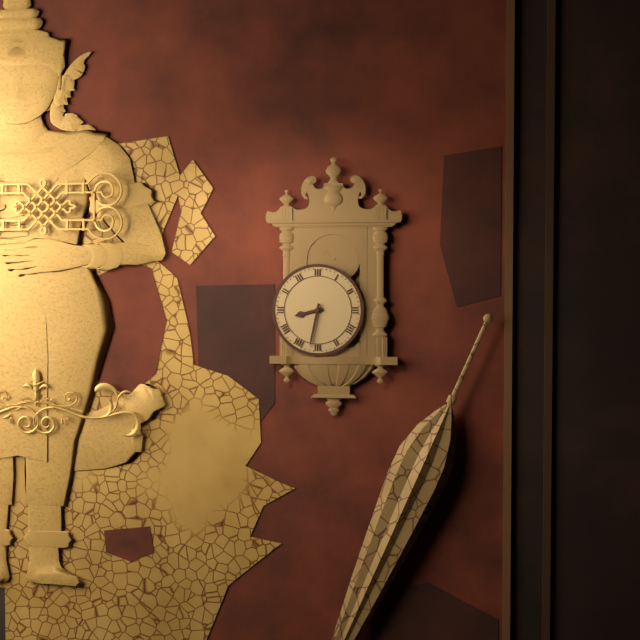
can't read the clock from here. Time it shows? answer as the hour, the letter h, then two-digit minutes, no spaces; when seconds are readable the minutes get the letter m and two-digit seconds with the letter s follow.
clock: 8h32
